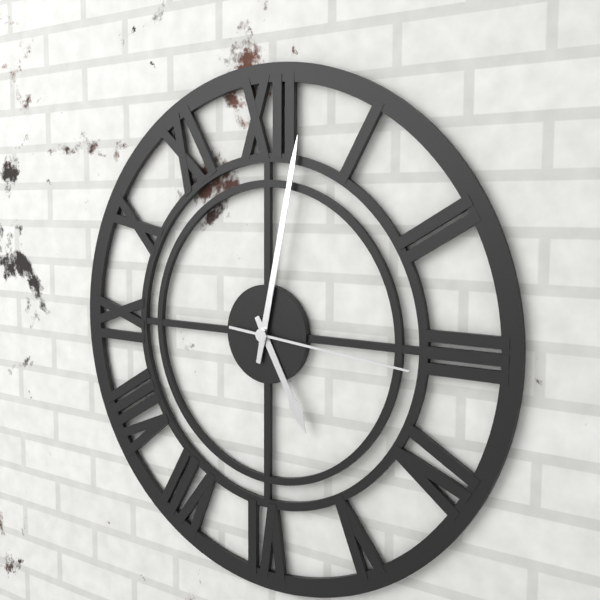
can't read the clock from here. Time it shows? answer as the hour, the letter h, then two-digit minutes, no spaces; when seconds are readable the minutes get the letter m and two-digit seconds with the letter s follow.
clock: 5h02m16s
